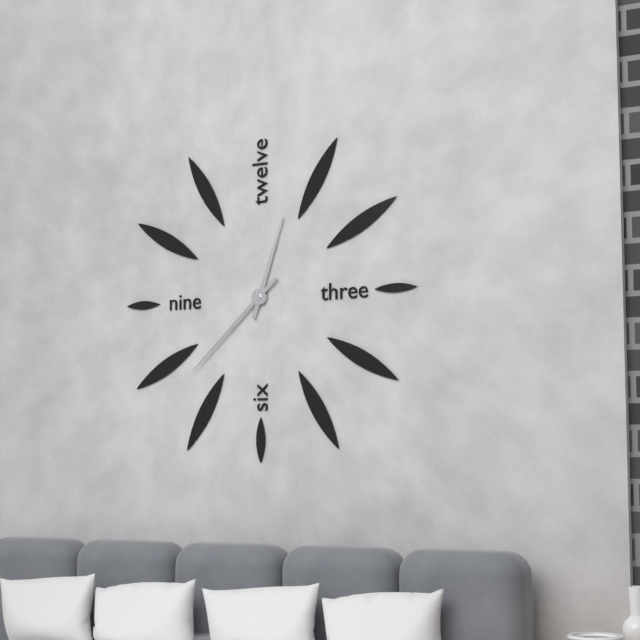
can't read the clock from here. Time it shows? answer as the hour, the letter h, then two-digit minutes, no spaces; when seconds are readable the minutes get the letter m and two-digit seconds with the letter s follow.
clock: 12h38
